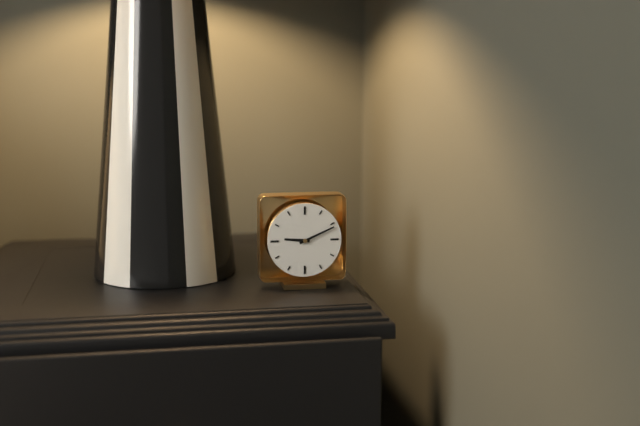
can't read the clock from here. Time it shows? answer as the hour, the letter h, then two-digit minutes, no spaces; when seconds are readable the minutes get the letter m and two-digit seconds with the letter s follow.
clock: 9h11
